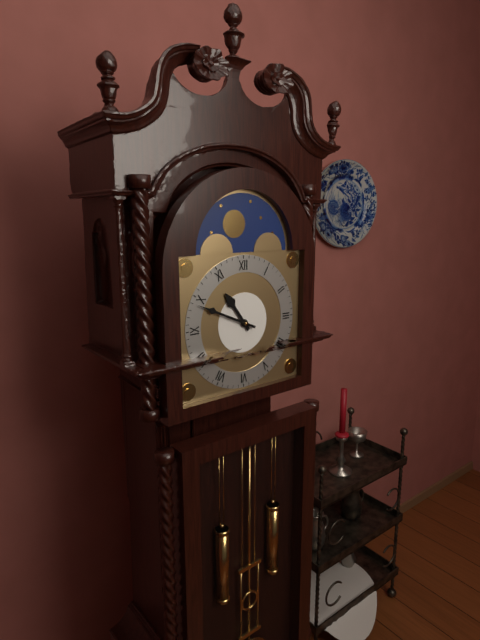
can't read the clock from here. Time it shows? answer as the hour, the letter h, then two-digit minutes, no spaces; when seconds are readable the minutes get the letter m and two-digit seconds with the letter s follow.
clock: 10h49
